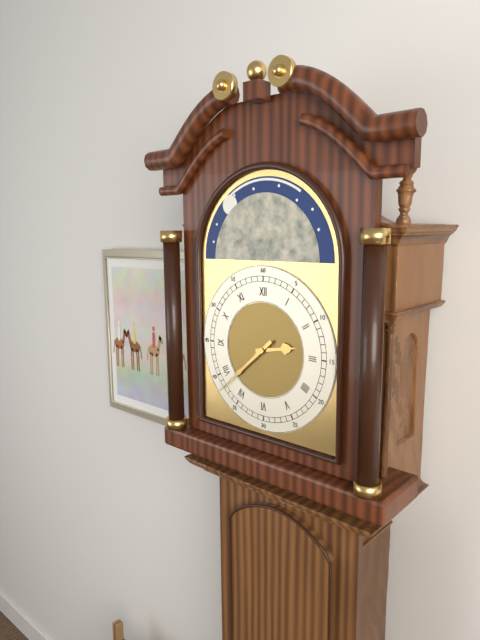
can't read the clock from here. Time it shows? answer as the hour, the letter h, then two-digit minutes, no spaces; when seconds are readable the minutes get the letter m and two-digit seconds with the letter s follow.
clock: 2h38
